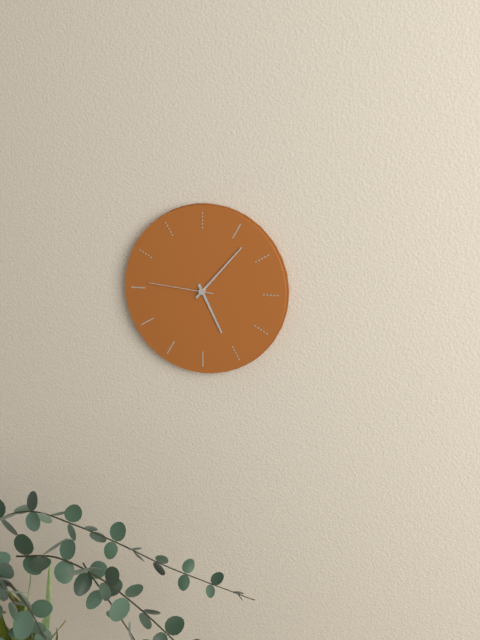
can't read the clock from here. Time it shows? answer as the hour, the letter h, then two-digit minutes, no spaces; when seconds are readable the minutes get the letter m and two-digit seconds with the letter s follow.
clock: 5h07m46s
